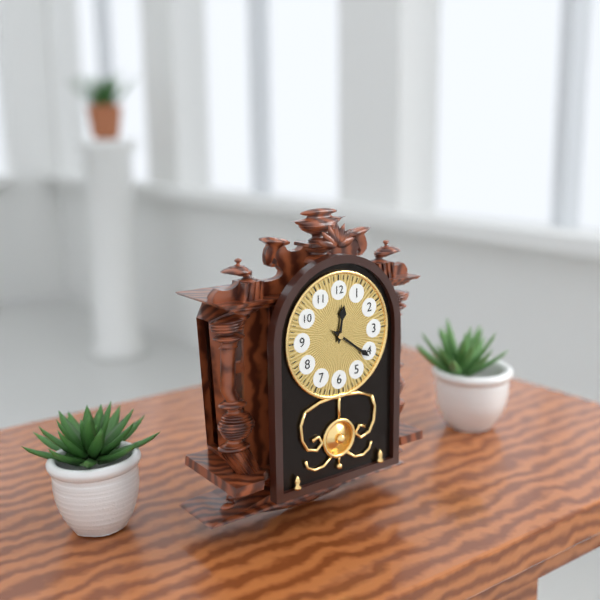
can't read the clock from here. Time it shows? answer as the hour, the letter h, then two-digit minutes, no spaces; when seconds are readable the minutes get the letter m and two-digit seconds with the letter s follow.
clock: 12h21
